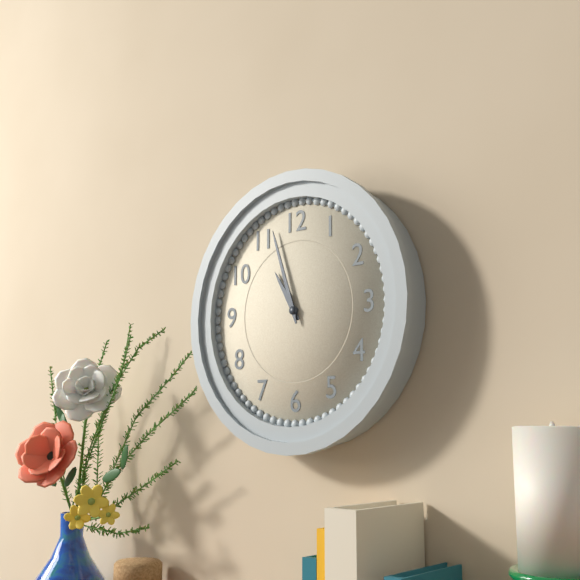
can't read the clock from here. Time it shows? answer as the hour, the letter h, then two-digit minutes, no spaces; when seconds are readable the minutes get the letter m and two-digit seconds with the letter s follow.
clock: 10h57
